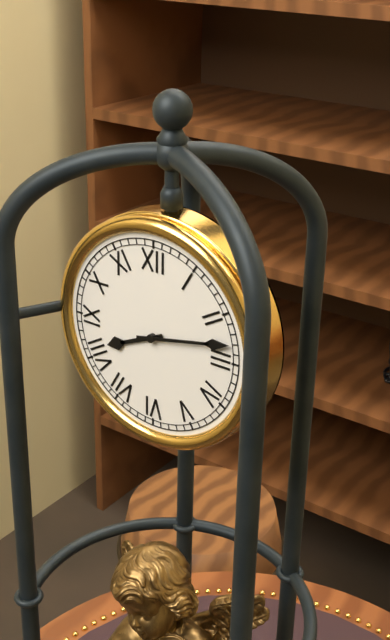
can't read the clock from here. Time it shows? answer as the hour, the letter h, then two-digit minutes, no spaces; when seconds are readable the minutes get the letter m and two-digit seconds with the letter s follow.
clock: 8h13
